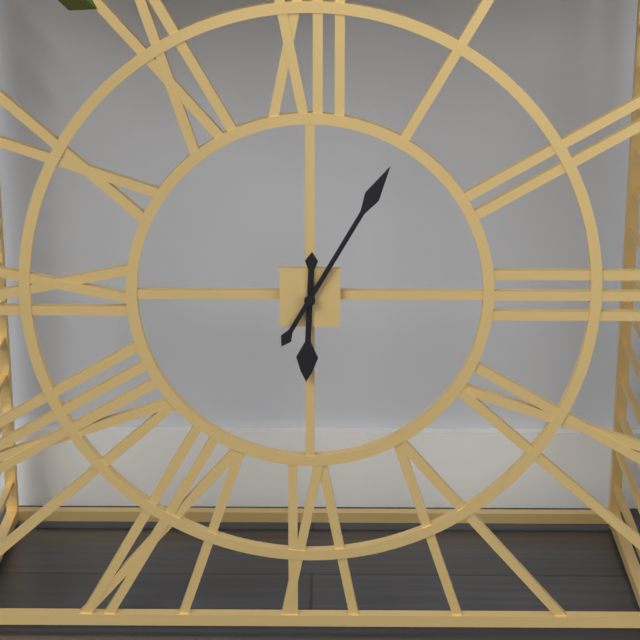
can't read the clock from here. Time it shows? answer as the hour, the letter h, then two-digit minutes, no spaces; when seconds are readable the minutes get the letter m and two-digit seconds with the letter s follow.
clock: 6h05
